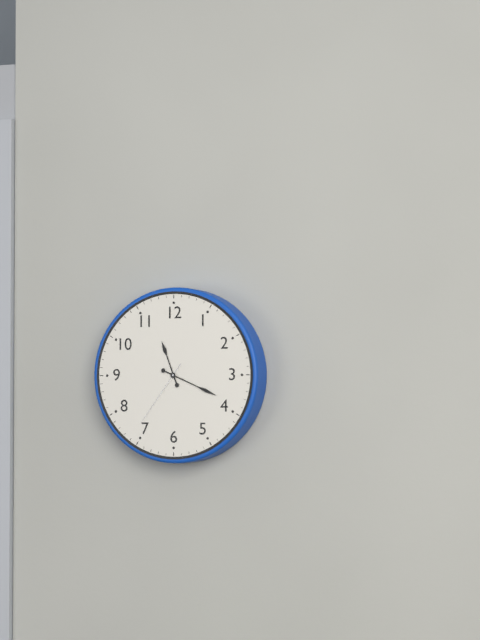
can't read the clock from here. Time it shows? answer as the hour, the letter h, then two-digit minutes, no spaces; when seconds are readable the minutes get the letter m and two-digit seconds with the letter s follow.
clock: 11h19m36s
